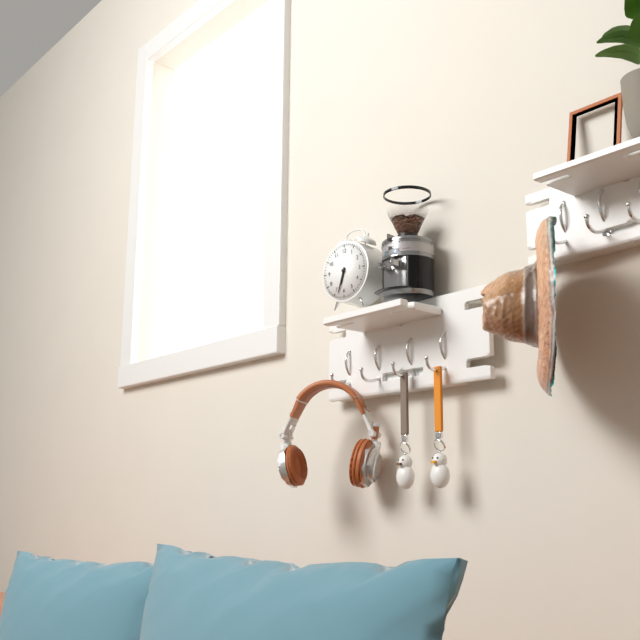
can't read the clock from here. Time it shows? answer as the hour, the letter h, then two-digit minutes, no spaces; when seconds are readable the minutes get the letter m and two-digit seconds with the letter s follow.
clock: 6h33
